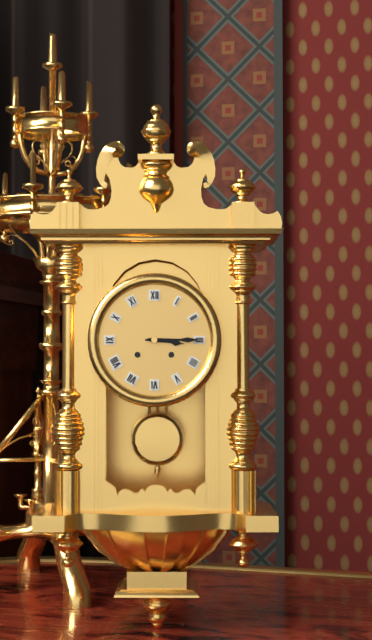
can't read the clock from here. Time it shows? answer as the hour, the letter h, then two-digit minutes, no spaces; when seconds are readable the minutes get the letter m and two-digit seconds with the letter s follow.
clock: 3h15
